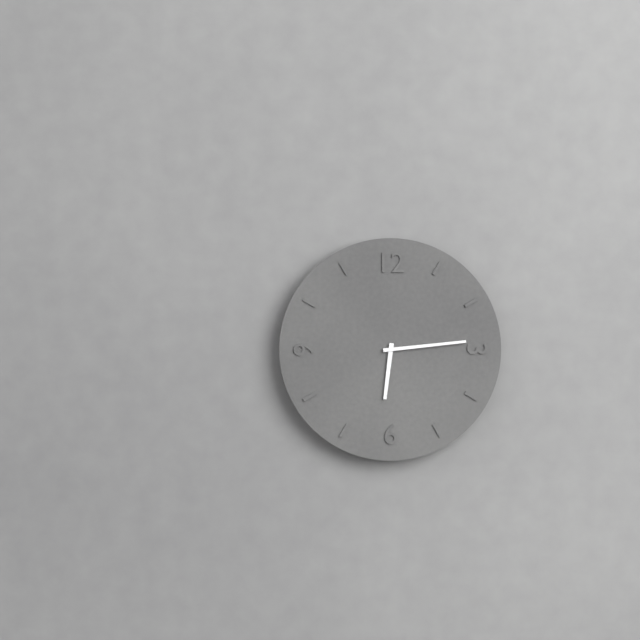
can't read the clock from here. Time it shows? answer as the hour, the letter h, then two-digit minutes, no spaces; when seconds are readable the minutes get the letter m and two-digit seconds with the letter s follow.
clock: 6h14
